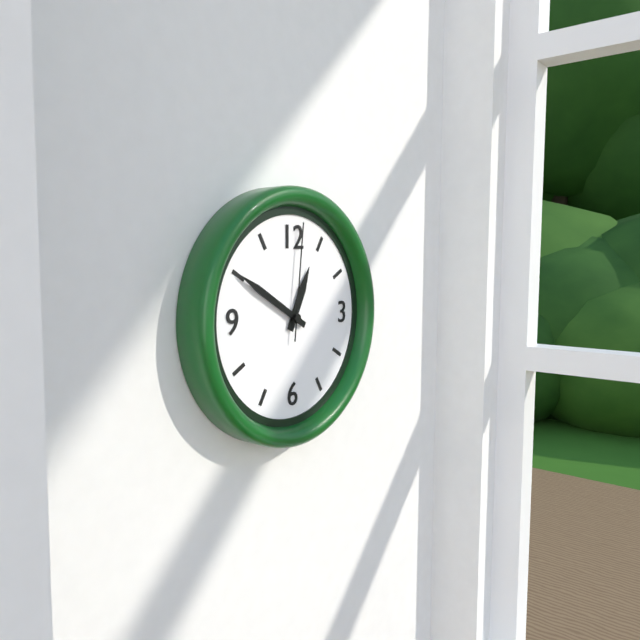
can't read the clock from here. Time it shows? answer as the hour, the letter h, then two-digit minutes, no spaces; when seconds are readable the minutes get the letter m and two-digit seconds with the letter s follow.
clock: 12h50m01s
